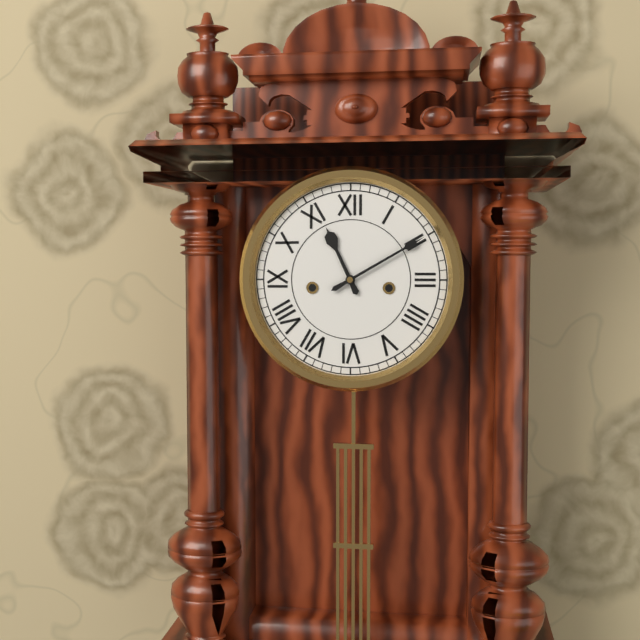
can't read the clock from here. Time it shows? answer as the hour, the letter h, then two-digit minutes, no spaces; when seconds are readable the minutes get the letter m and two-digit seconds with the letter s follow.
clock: 11h10
